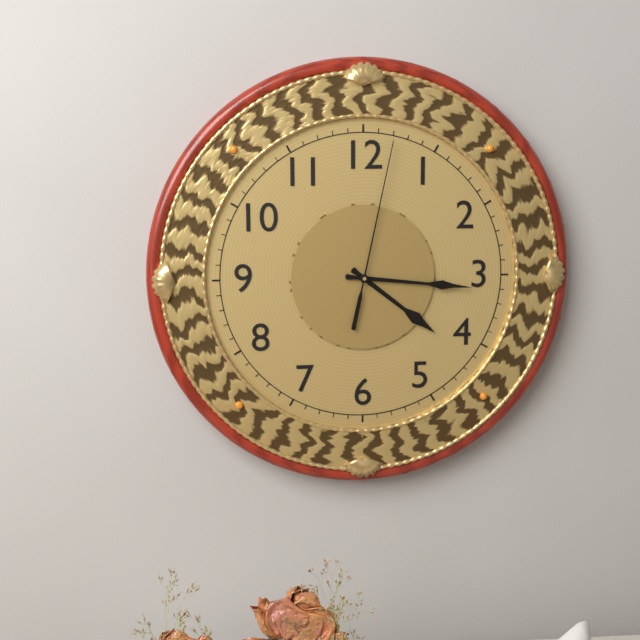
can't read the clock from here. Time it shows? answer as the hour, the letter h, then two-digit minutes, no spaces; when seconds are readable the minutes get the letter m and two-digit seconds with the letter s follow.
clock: 4h16m02s
